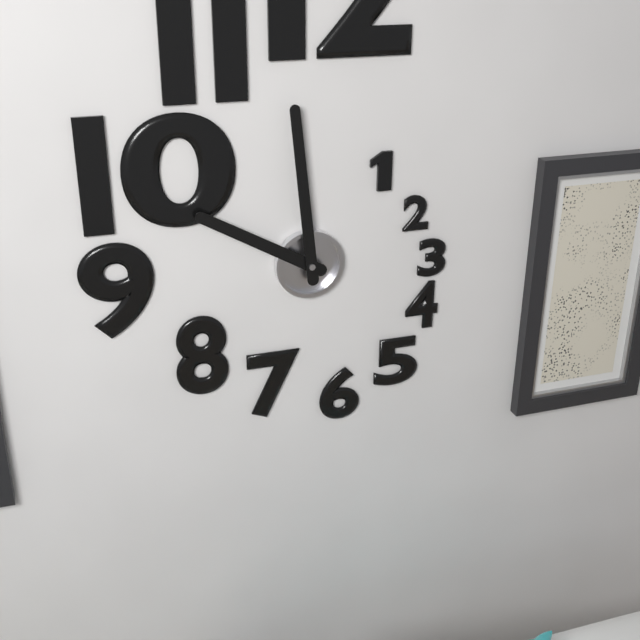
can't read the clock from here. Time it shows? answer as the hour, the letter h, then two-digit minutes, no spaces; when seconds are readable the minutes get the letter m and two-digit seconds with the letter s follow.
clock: 9h59
